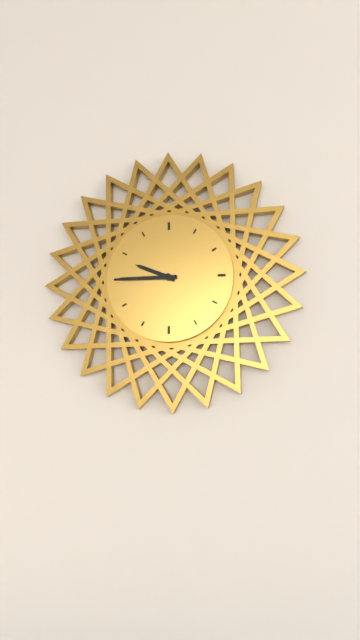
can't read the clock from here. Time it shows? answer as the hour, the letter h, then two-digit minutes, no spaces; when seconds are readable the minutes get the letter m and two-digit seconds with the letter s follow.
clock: 9h45
